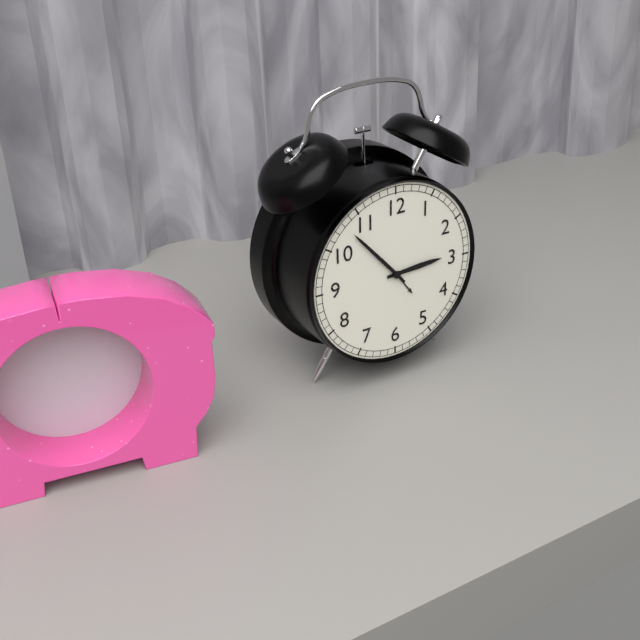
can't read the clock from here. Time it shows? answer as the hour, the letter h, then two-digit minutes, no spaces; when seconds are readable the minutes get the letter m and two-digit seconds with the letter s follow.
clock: 2h53
